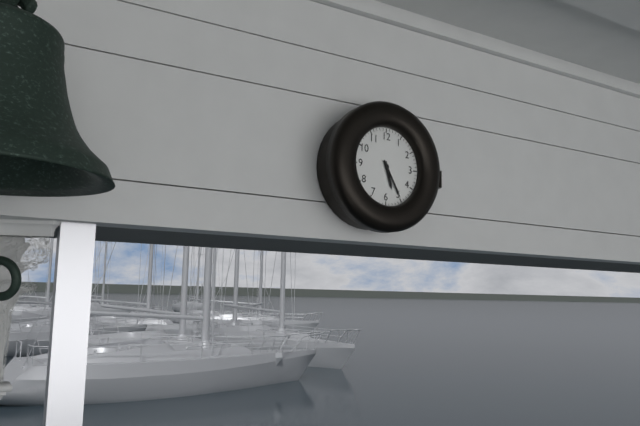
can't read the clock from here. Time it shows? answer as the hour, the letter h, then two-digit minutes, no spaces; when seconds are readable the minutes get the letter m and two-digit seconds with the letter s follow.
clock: 5h25
